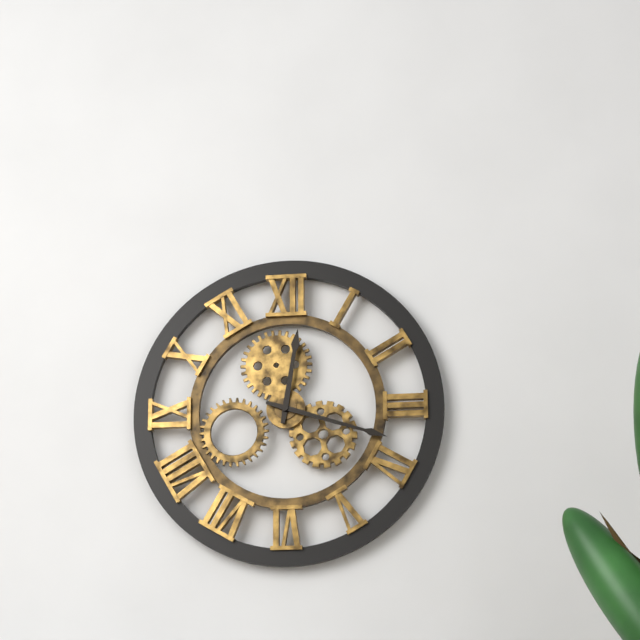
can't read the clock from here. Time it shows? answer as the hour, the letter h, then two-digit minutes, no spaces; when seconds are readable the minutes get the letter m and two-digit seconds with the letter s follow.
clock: 12h18
